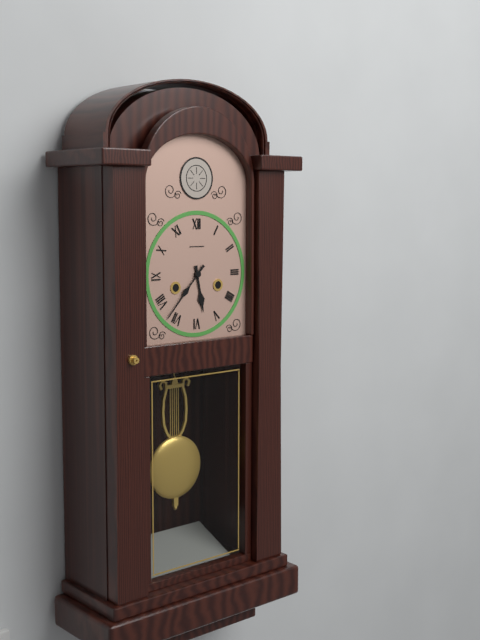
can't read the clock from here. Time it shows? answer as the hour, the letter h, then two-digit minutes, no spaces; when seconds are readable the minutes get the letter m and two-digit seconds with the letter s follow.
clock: 5h37
